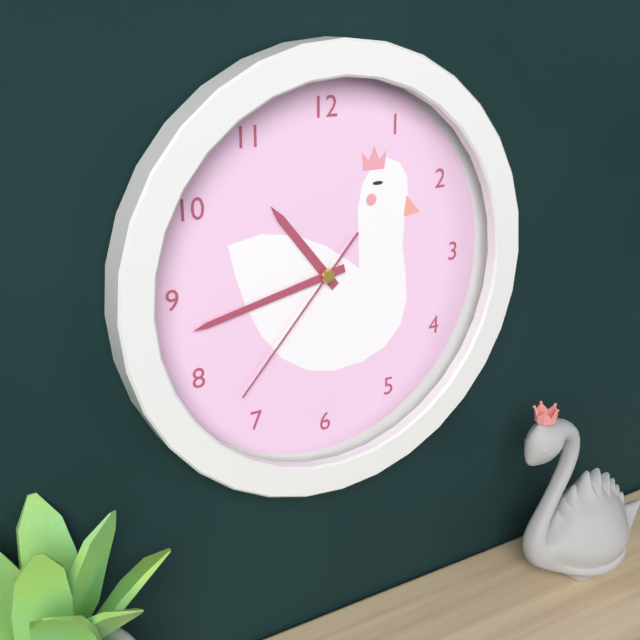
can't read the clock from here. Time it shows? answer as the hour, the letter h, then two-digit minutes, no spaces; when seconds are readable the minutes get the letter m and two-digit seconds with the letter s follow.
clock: 10h43m37s
